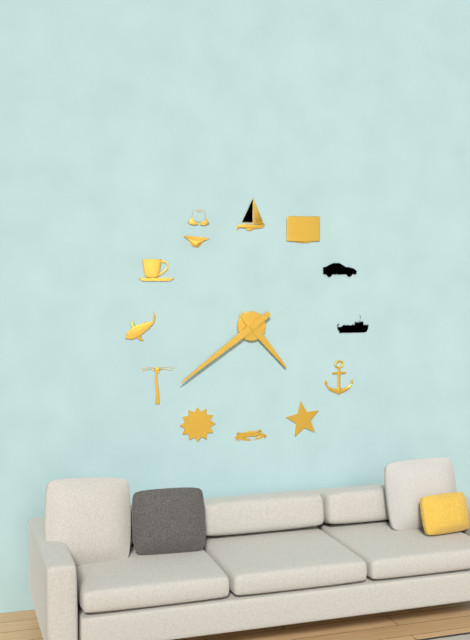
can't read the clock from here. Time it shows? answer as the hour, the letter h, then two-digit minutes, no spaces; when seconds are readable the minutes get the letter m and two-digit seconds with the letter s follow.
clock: 4h39
